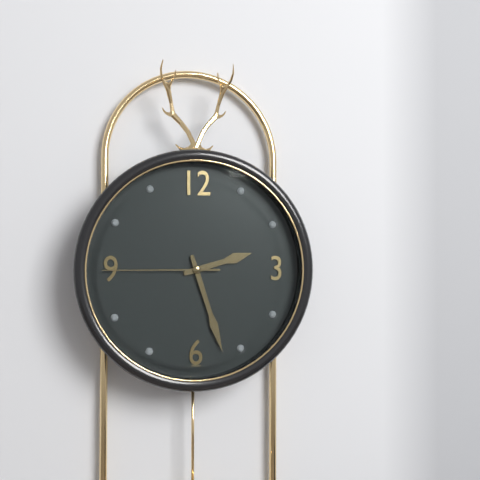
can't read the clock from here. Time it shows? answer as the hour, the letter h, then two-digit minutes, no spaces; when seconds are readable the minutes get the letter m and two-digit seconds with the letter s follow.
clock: 2h27m45s
